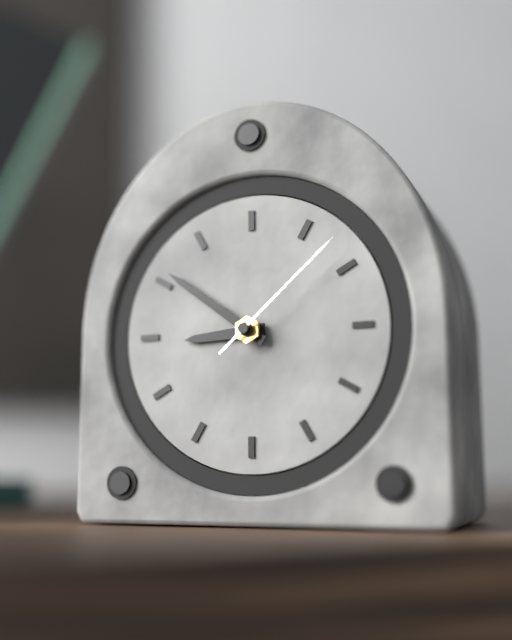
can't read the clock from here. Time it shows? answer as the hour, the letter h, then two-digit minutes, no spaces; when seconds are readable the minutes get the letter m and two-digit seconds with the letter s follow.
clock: 8h51m08s
